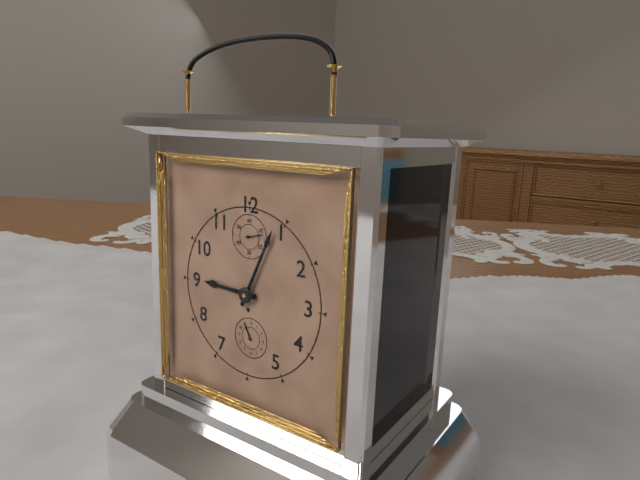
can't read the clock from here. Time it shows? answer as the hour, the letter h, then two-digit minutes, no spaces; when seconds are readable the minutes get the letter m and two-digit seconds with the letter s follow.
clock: 9h04
